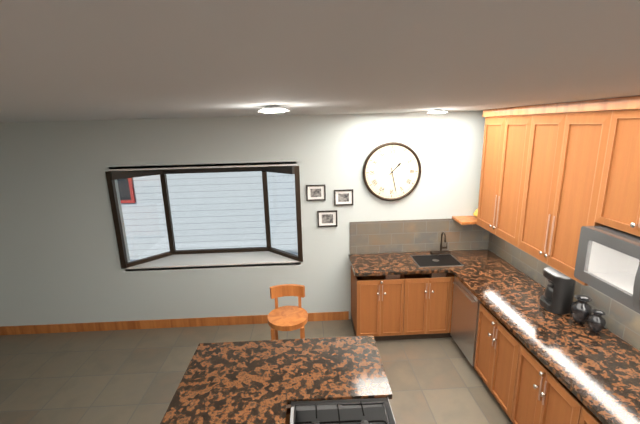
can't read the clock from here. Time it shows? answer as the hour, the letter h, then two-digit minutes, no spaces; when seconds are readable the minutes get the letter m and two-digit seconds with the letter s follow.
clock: 1h28
